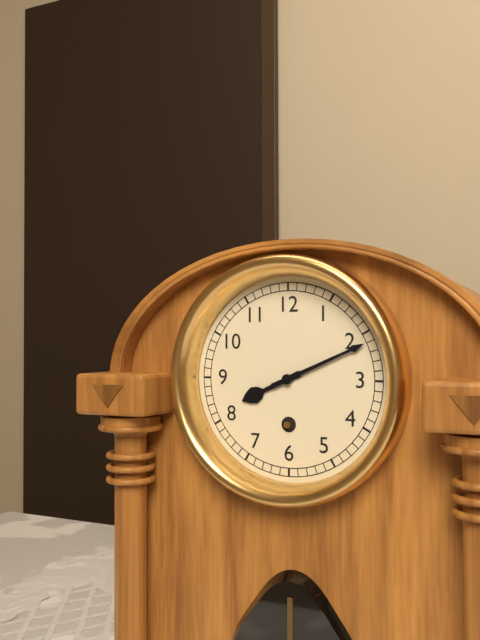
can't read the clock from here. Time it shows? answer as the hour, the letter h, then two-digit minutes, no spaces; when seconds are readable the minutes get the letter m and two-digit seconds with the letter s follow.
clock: 8h11
